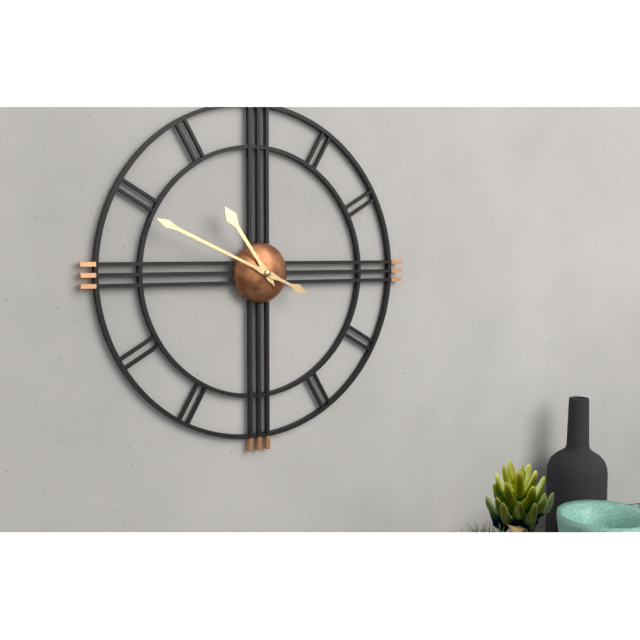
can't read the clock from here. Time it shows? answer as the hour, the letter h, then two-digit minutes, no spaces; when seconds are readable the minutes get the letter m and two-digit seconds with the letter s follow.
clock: 10h49
